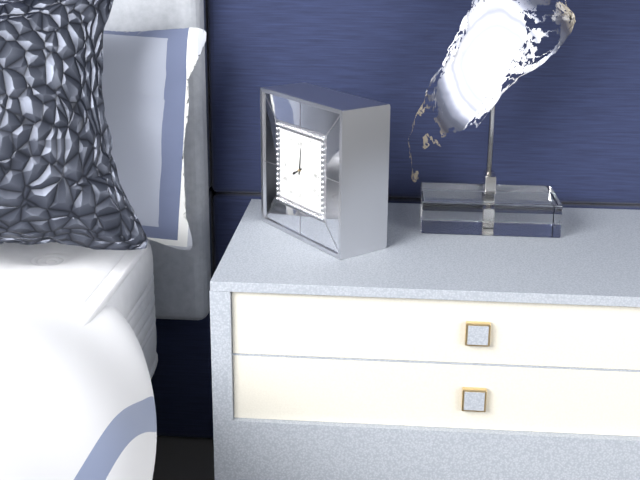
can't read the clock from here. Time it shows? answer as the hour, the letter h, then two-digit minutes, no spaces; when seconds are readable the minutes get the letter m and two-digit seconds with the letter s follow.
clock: 8h01
